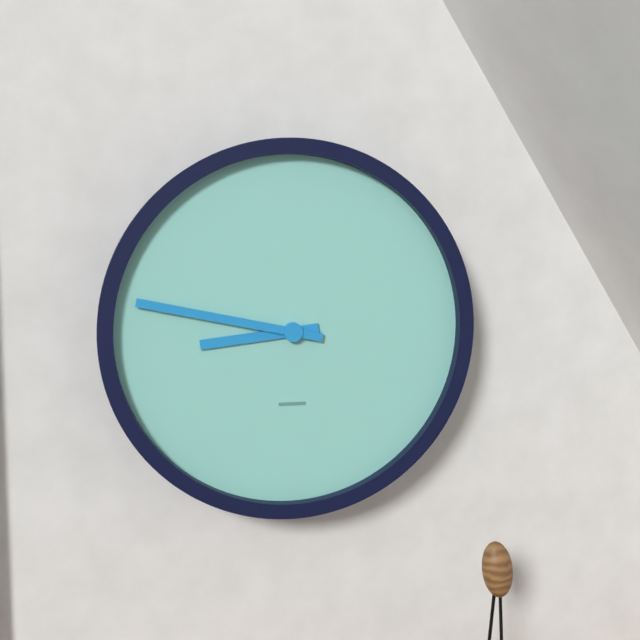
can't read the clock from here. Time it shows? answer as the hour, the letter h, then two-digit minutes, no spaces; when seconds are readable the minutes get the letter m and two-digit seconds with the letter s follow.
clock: 8h47
